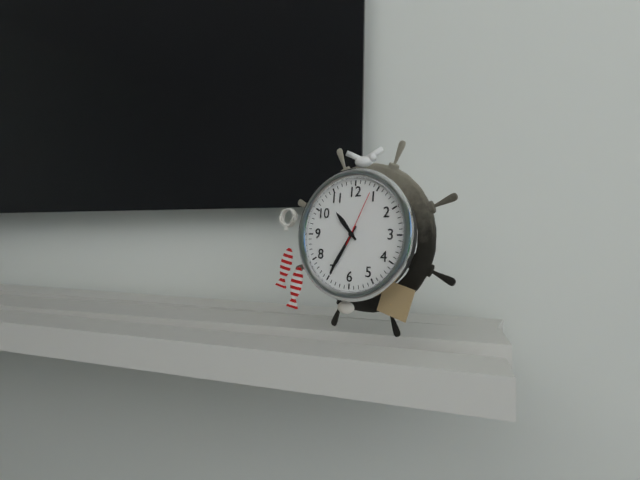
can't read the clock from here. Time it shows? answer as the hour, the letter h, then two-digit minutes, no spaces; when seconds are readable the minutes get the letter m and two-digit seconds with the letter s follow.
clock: 10h35m04s
